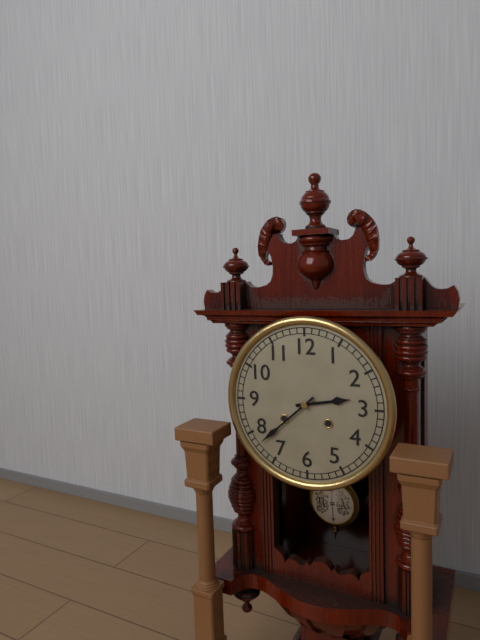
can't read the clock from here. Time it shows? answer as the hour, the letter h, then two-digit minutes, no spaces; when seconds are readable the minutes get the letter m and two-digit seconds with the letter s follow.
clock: 2h38
